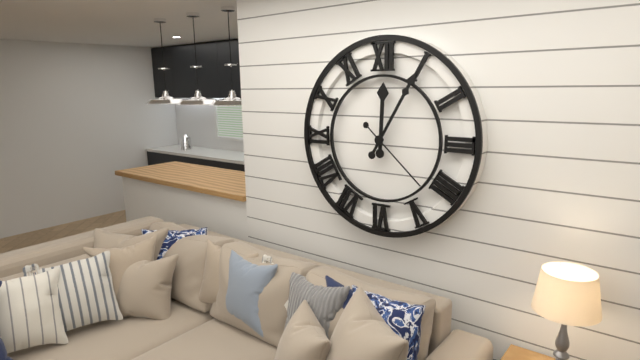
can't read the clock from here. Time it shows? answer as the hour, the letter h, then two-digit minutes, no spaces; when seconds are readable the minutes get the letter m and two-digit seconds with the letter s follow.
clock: 12h05m22s
